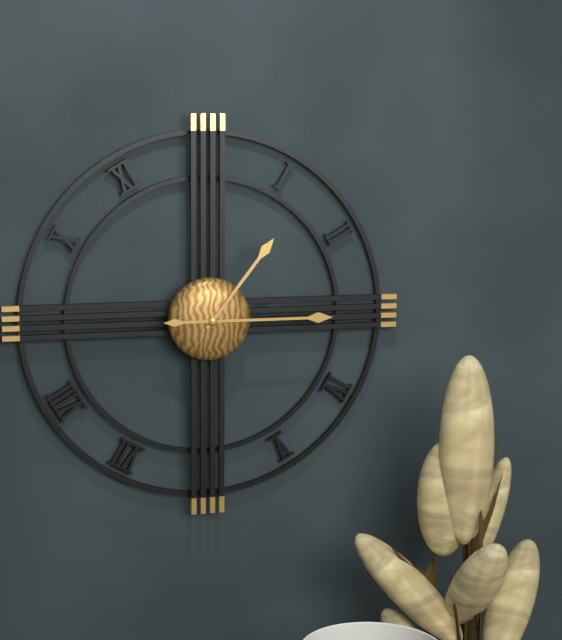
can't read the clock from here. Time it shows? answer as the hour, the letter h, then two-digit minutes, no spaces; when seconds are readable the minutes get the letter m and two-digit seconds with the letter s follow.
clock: 1h15
